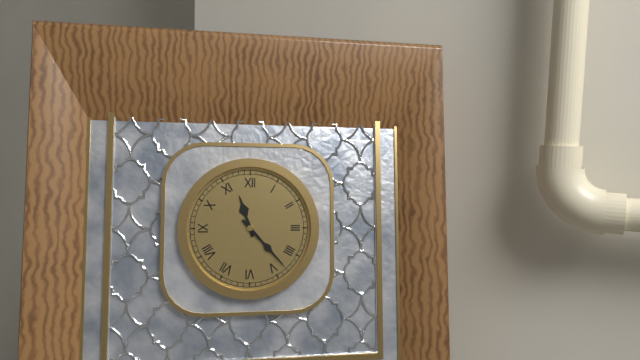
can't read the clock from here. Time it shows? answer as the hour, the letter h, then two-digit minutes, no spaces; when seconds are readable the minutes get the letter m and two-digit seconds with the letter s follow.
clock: 11h23
